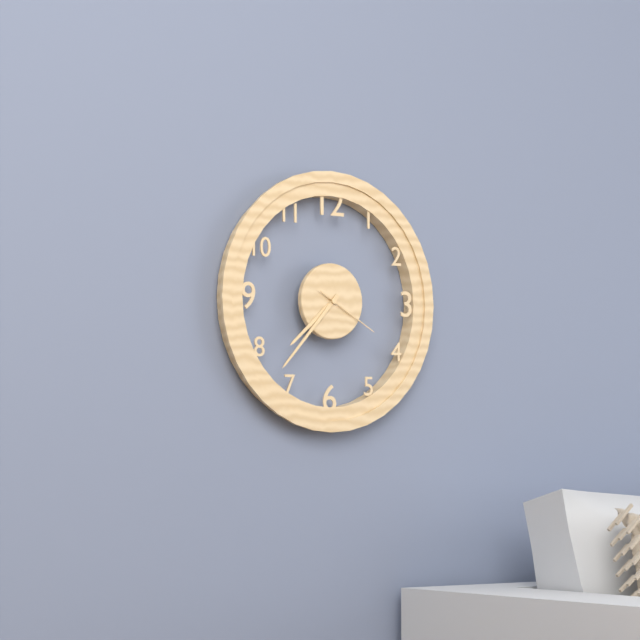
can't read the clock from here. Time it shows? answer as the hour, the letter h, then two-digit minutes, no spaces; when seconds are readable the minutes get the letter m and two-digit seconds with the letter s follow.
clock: 7h37m20s
